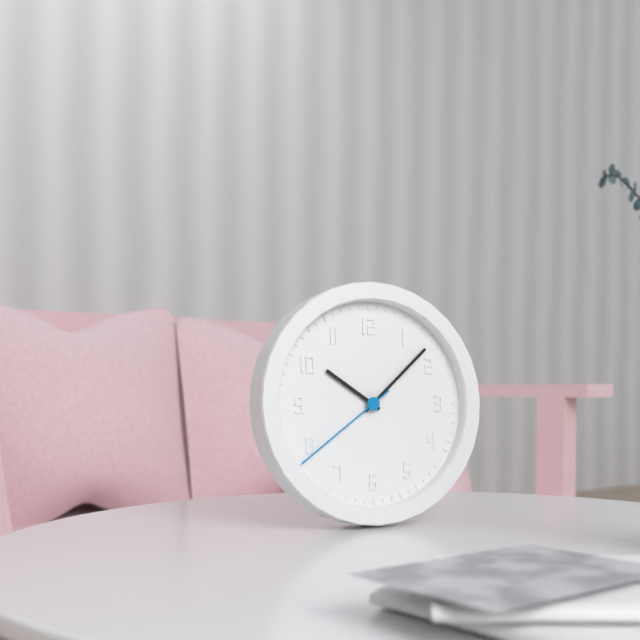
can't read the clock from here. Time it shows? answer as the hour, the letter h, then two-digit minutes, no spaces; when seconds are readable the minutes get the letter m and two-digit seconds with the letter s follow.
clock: 10h08m39s
